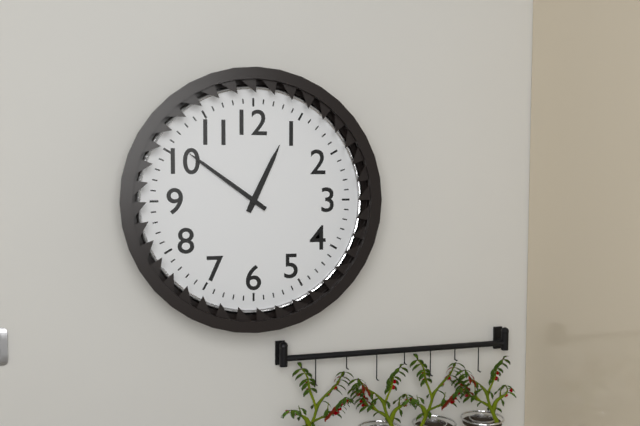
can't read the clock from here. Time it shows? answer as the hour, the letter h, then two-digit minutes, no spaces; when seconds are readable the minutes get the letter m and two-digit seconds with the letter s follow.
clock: 12h51
